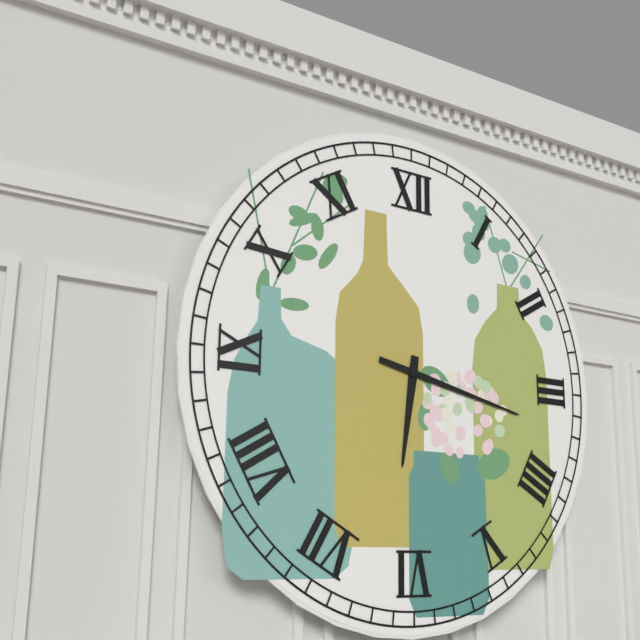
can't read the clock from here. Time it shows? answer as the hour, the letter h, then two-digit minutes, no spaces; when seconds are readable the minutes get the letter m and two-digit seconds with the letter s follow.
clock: 6h17
